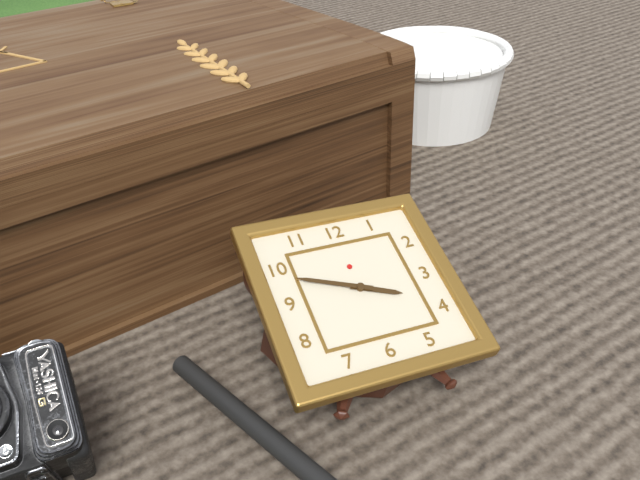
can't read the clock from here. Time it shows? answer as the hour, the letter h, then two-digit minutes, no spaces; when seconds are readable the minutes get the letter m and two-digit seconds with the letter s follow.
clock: 3h49
